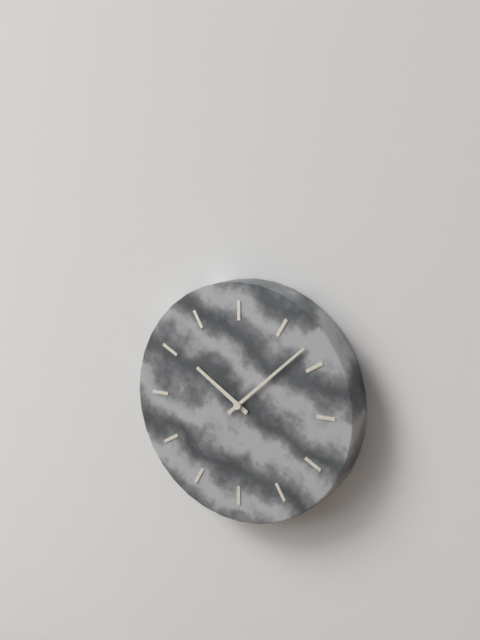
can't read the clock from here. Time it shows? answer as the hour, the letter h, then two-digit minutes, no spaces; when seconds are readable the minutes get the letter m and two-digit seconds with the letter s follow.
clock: 10h08
